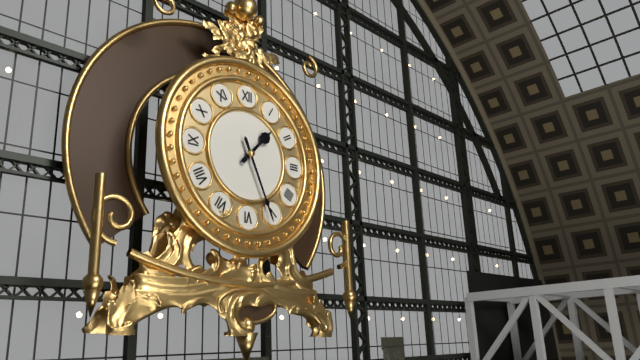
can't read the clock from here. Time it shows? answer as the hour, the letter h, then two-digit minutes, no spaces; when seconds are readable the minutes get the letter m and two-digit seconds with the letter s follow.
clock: 1h26
